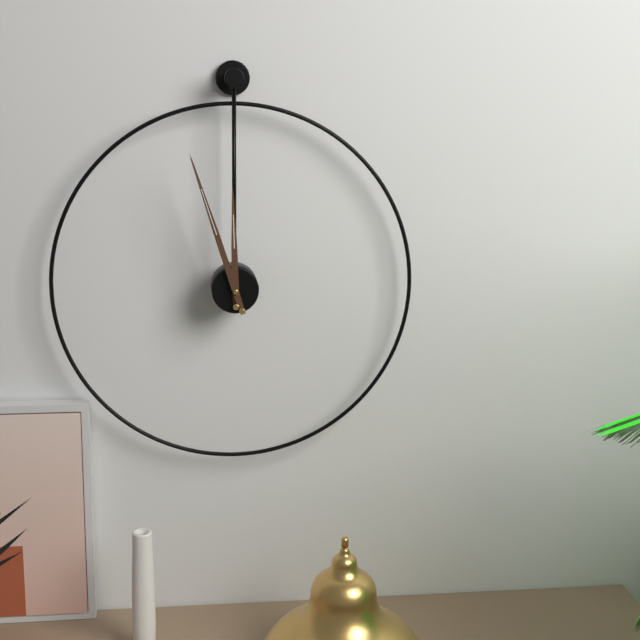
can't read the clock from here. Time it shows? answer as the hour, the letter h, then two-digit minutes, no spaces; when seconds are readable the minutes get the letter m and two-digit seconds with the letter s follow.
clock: 11h57
